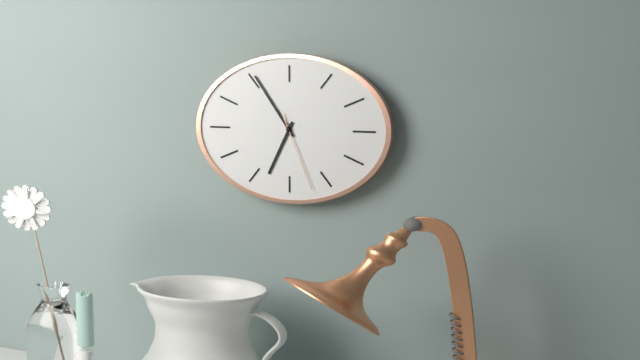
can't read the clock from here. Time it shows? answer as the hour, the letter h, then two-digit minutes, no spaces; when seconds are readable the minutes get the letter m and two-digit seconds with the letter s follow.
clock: 6h54m26s
